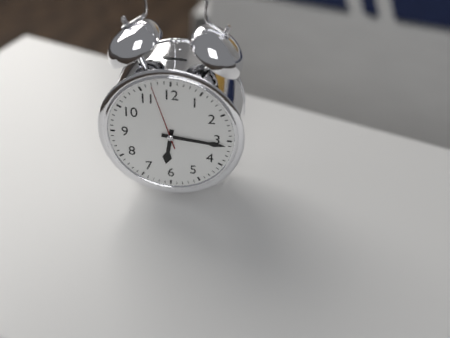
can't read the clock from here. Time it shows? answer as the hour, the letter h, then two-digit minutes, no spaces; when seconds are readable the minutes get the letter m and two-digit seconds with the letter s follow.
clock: 6h16m57s
